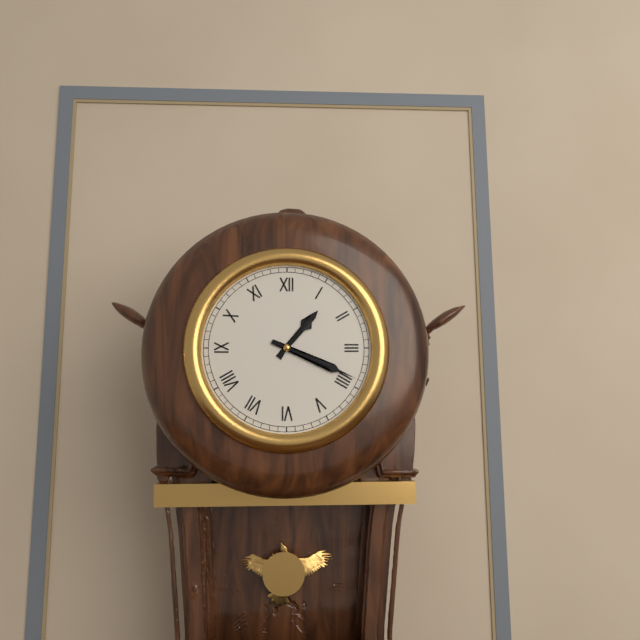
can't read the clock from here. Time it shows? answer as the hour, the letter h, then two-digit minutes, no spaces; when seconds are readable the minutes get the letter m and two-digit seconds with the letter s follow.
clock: 1h19
